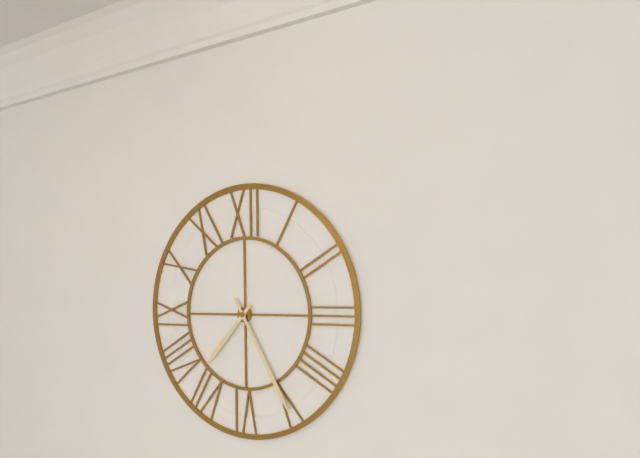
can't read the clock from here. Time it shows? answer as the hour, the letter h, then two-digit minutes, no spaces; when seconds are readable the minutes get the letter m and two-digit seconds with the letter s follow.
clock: 7h25
